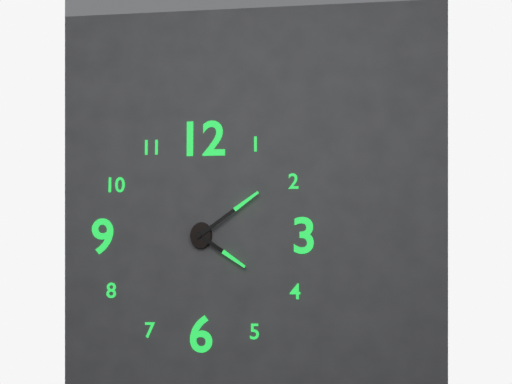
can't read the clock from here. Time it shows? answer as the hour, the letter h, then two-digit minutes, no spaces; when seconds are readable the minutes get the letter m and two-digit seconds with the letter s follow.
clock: 4h09
